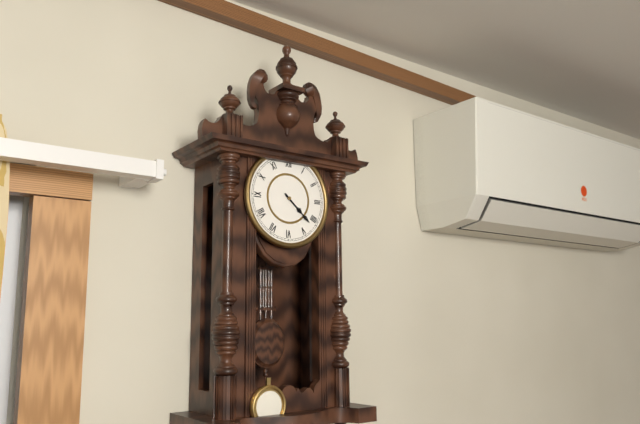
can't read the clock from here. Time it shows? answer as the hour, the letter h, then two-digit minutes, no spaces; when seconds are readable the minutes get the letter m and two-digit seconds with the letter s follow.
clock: 4h22
